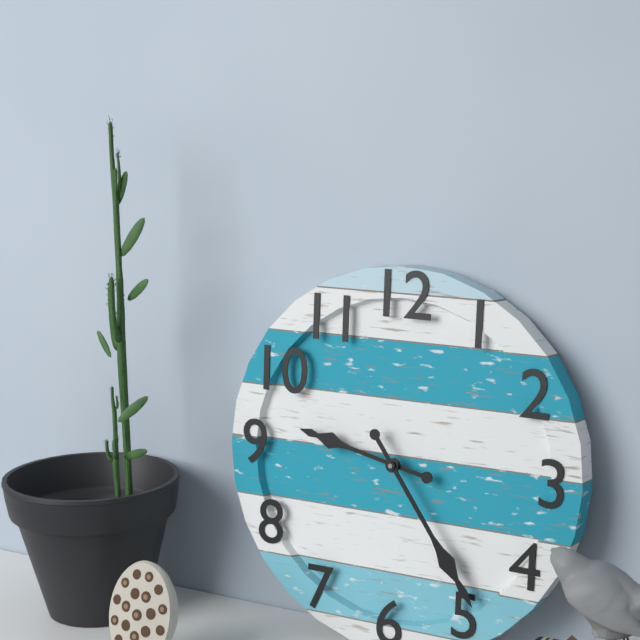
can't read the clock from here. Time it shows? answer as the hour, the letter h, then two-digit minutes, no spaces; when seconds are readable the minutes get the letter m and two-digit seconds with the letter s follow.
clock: 9h24
